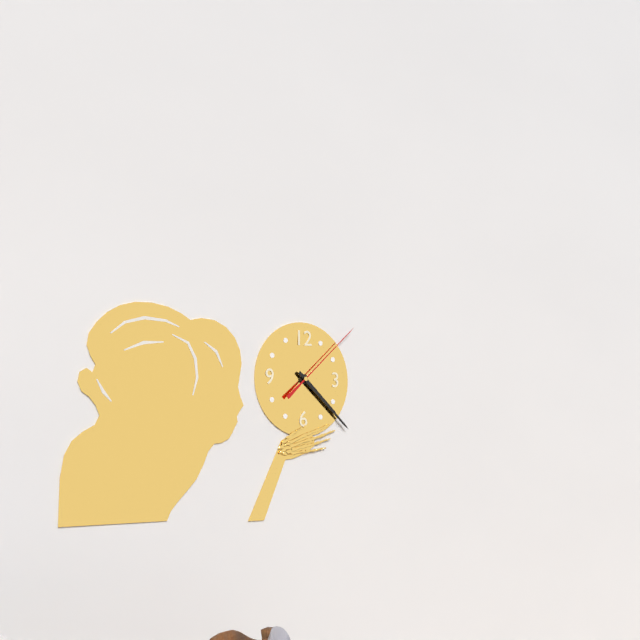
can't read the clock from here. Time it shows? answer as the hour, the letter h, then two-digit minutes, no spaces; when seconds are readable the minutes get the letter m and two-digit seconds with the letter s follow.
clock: 4h22m08s
